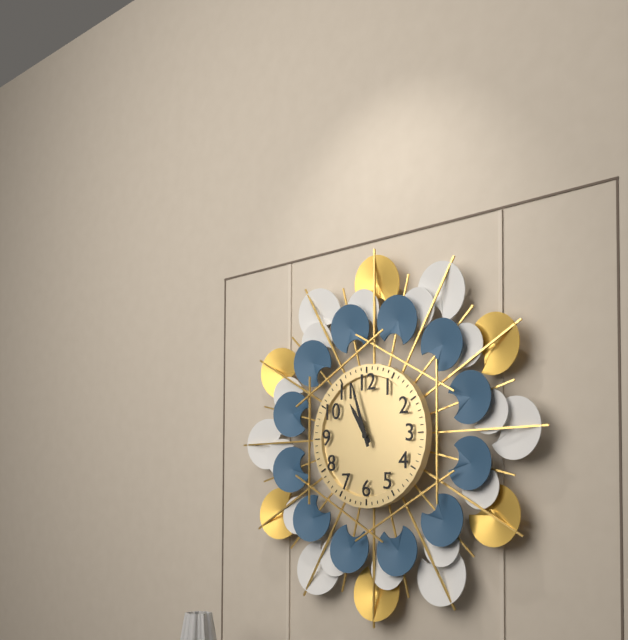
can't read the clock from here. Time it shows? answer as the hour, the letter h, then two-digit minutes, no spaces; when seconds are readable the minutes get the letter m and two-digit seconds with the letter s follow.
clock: 10h57
